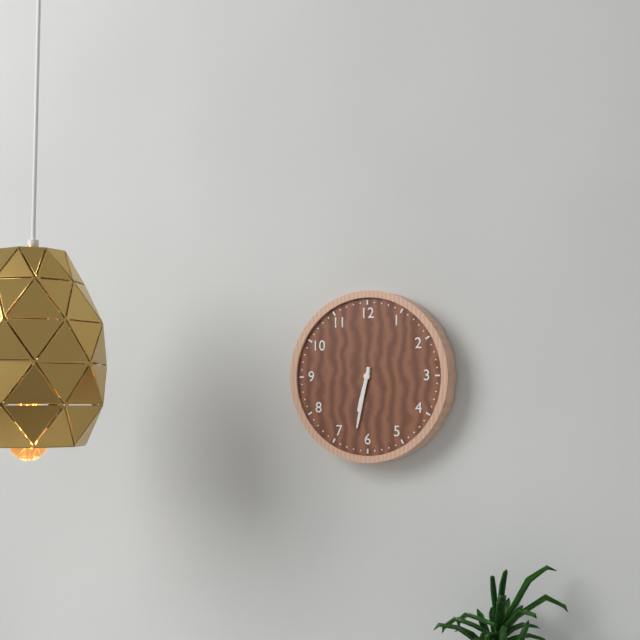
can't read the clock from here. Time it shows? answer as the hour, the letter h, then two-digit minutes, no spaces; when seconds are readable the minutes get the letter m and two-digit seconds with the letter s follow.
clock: 6h32
